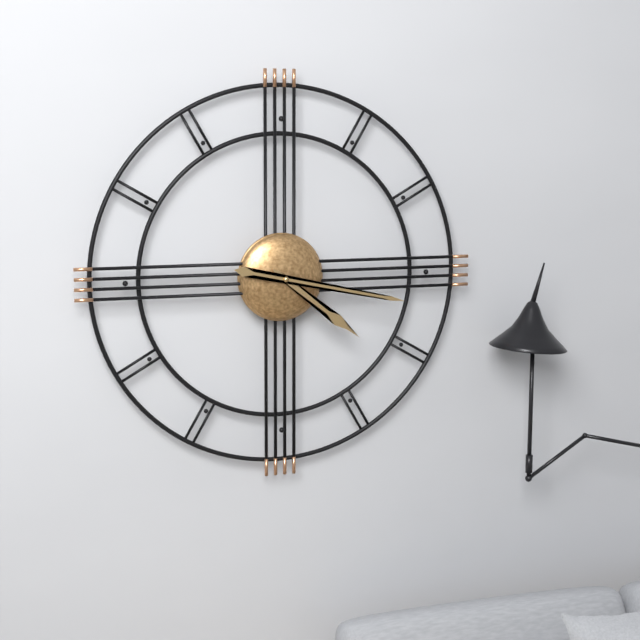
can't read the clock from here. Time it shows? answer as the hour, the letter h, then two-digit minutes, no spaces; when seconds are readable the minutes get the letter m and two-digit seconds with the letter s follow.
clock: 4h17
